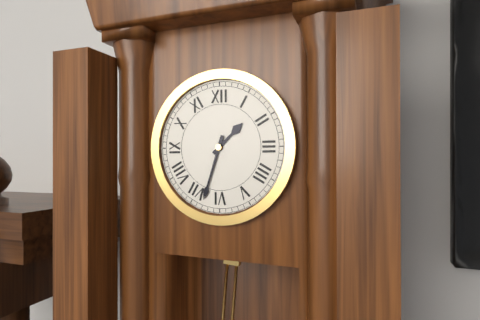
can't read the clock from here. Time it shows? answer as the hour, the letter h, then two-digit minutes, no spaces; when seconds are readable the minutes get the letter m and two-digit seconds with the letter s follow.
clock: 1h33
